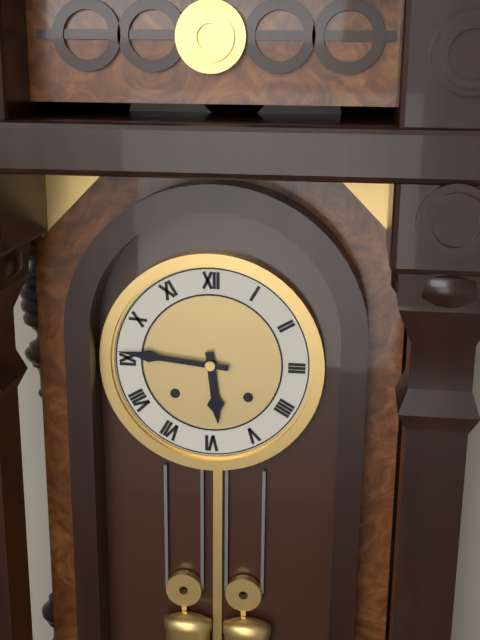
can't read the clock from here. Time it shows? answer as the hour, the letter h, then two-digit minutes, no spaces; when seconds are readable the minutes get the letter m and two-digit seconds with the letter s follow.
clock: 5h46
